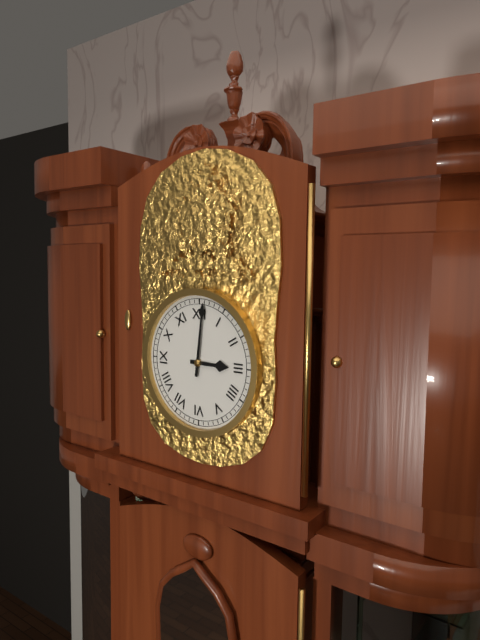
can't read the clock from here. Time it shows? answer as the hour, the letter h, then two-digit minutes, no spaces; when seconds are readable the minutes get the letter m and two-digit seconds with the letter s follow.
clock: 3h01
